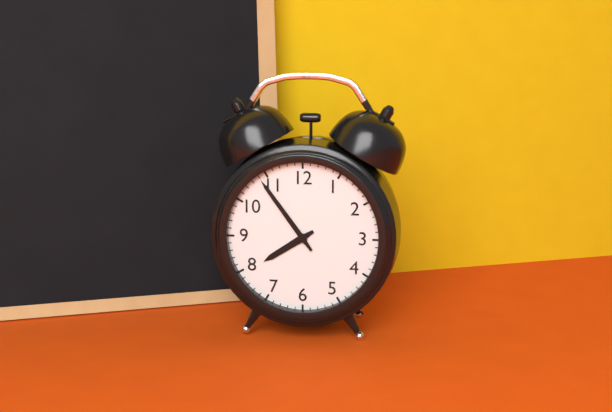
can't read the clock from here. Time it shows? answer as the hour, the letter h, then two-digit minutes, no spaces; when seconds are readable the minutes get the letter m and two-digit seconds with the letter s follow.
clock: 7h54
